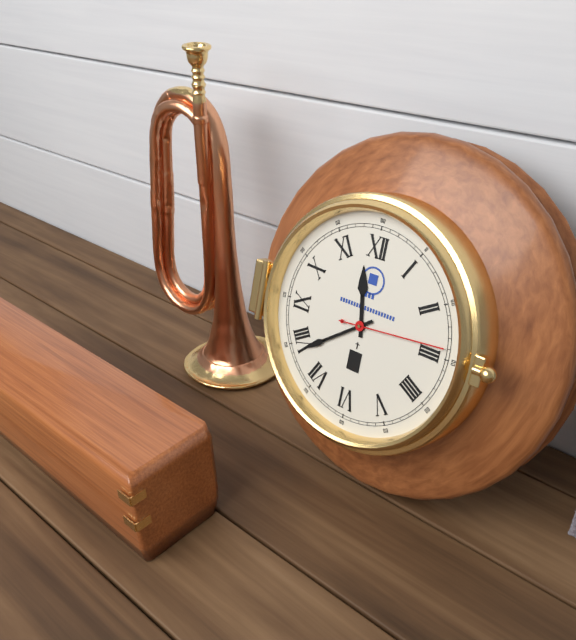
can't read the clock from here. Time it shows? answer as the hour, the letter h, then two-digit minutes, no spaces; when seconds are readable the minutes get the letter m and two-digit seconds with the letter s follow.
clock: 11h39m14s
